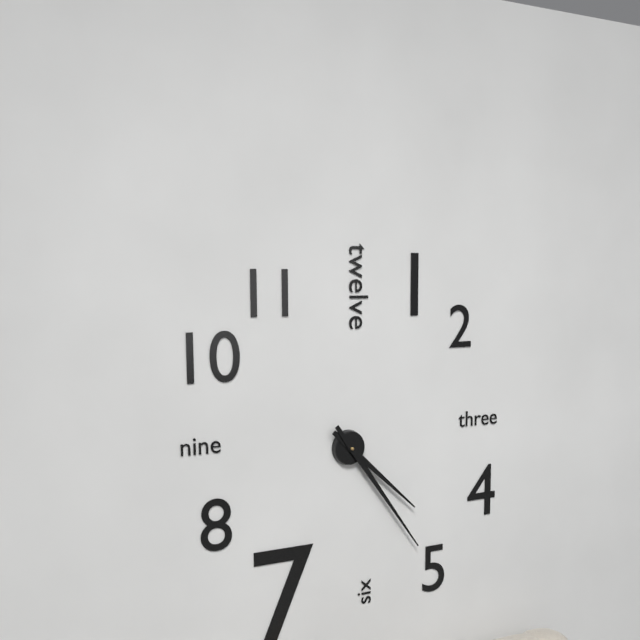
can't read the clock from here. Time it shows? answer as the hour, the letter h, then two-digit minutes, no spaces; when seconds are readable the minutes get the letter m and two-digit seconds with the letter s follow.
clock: 4h24
